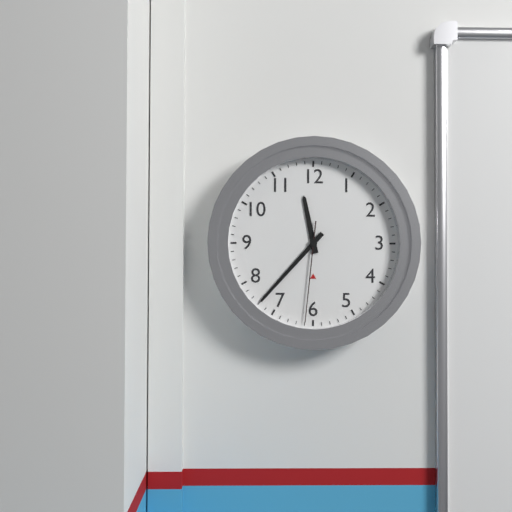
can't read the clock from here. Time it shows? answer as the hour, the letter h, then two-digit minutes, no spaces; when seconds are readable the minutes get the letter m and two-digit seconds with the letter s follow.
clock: 11h37m31s
